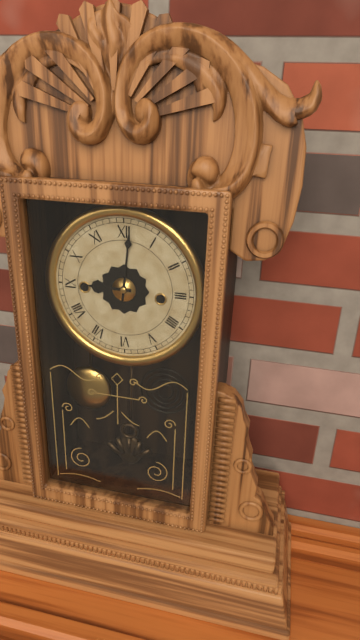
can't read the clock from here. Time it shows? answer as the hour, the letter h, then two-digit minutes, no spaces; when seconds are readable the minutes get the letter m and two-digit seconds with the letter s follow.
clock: 9h01
